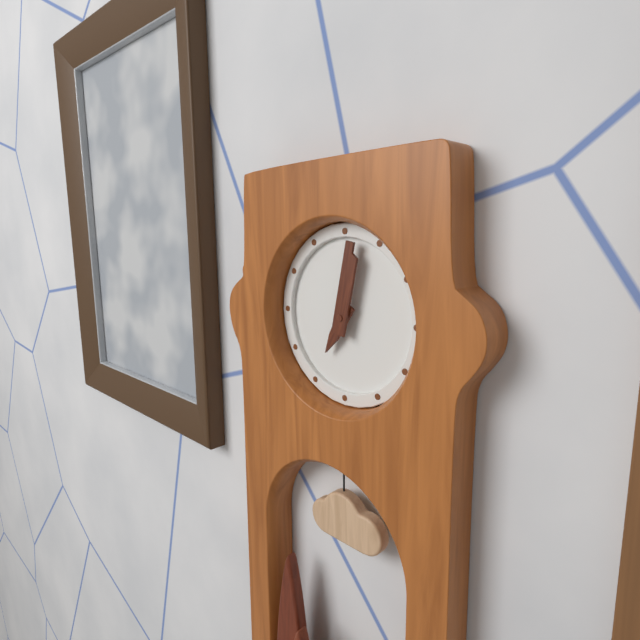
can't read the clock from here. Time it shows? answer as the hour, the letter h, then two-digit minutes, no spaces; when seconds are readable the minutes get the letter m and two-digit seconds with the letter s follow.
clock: 7h02
